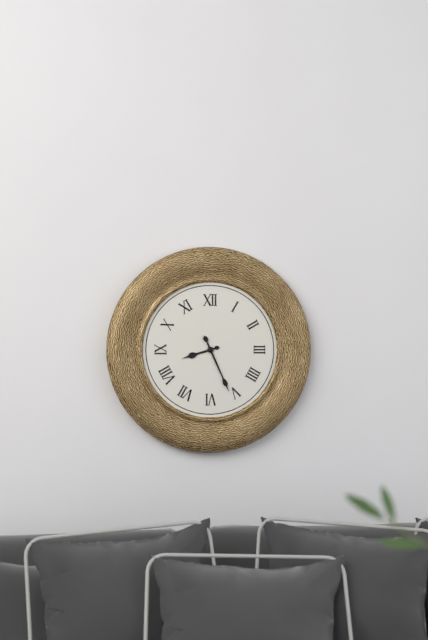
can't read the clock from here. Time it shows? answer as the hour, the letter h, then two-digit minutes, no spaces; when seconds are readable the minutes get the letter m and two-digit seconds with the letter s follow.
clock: 8h26
